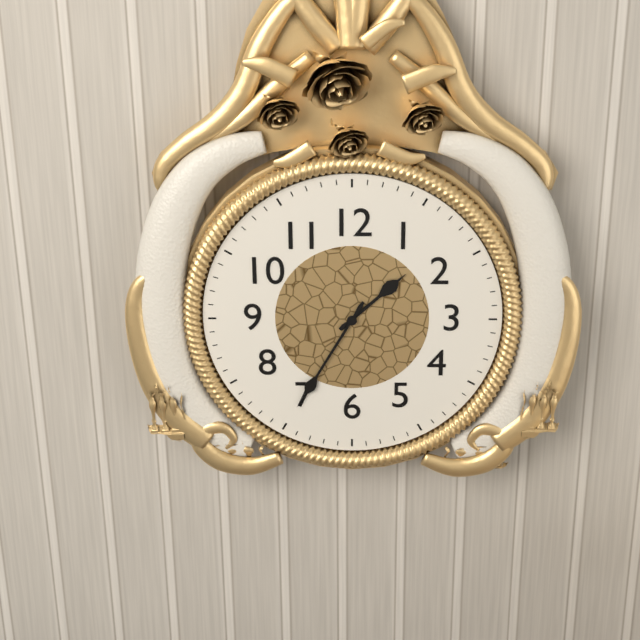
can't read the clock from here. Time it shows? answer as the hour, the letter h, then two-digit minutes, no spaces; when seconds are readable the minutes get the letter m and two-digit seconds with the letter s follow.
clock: 1h35
